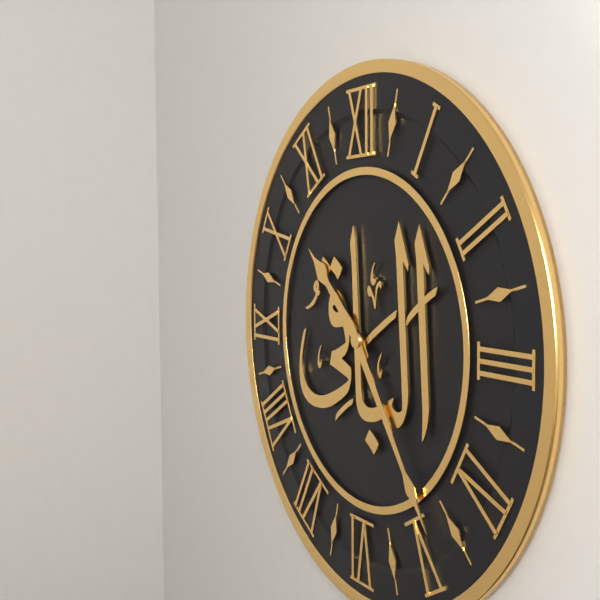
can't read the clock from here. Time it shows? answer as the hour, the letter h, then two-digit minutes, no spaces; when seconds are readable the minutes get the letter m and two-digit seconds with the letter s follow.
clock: 10h24
